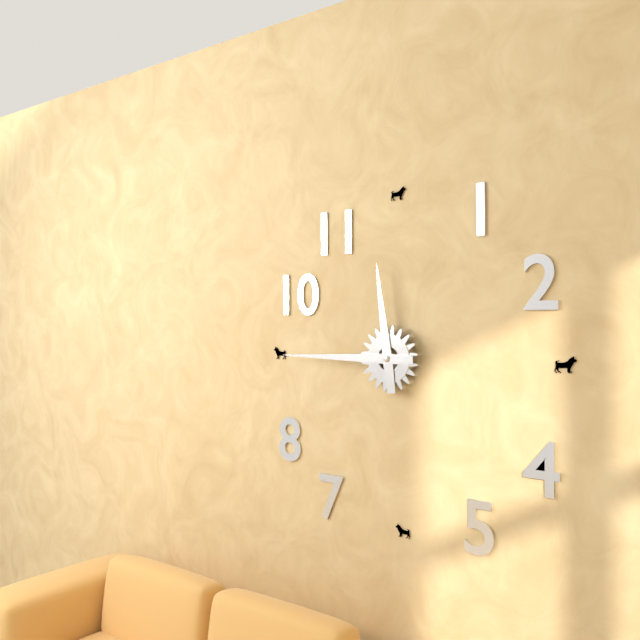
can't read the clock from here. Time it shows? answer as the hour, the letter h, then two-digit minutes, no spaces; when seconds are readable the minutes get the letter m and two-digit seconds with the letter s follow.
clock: 11h45
